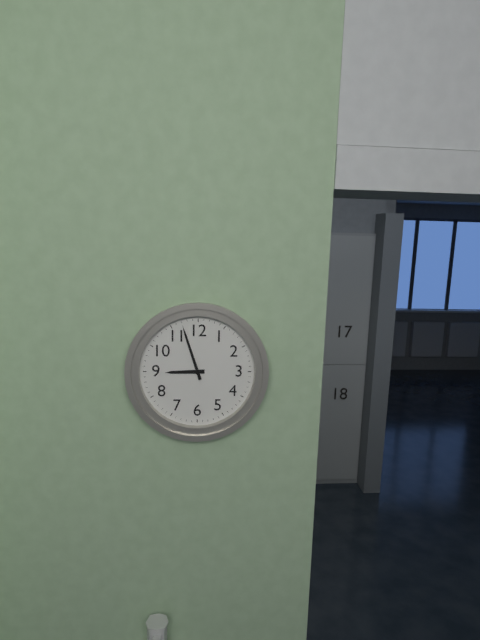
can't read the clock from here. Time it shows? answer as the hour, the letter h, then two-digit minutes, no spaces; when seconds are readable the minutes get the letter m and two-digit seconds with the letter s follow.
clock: 8h57
